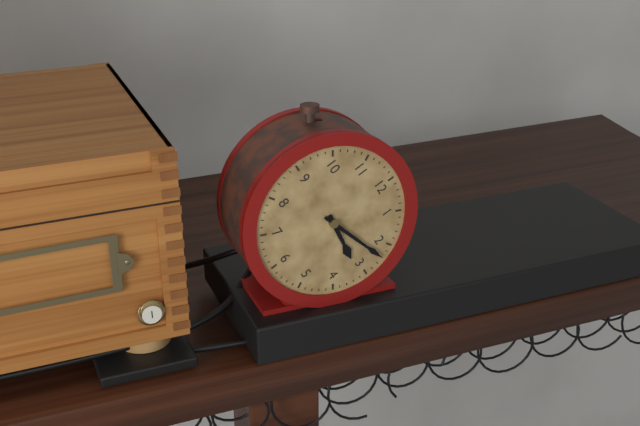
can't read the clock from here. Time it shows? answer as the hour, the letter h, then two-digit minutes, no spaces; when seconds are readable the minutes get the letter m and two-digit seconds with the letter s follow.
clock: 3h12
